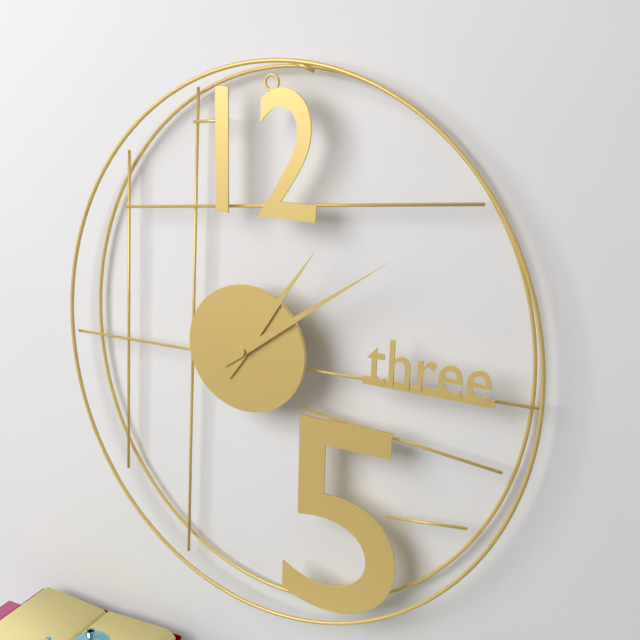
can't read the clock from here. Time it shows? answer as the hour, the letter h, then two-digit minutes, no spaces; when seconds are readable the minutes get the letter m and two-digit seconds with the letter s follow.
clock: 1h09
